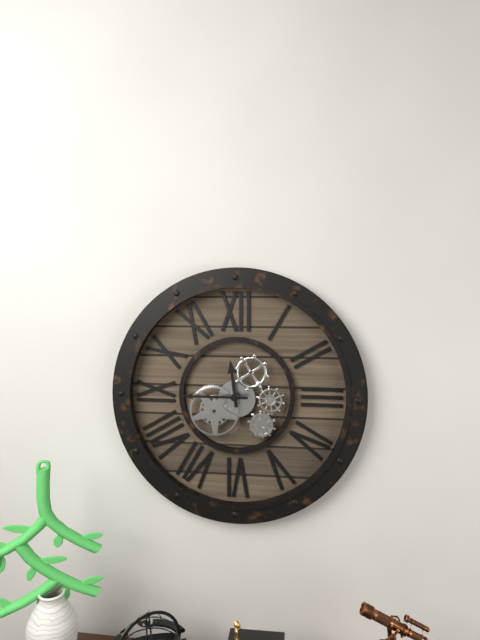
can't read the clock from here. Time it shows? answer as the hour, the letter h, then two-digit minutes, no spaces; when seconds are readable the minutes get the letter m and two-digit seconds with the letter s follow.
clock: 11h45
